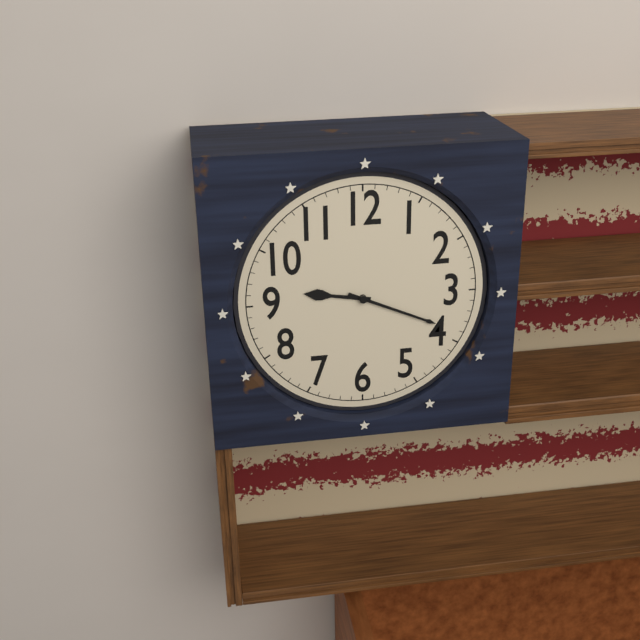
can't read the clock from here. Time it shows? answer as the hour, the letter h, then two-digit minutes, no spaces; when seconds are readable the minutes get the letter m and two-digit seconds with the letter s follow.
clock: 9h19
